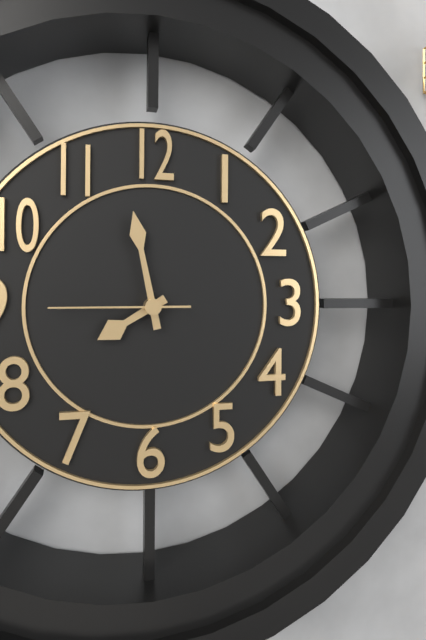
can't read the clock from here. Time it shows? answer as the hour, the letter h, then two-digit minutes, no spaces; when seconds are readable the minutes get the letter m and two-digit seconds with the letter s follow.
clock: 7h58m45s
